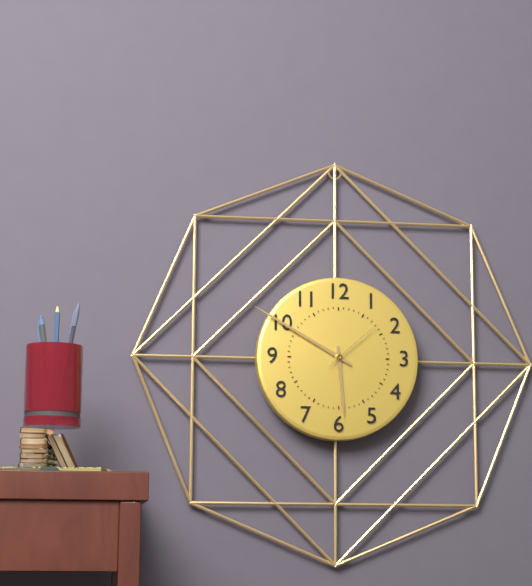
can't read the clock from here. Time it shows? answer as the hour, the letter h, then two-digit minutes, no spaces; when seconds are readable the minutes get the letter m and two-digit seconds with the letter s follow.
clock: 5h50m08s
